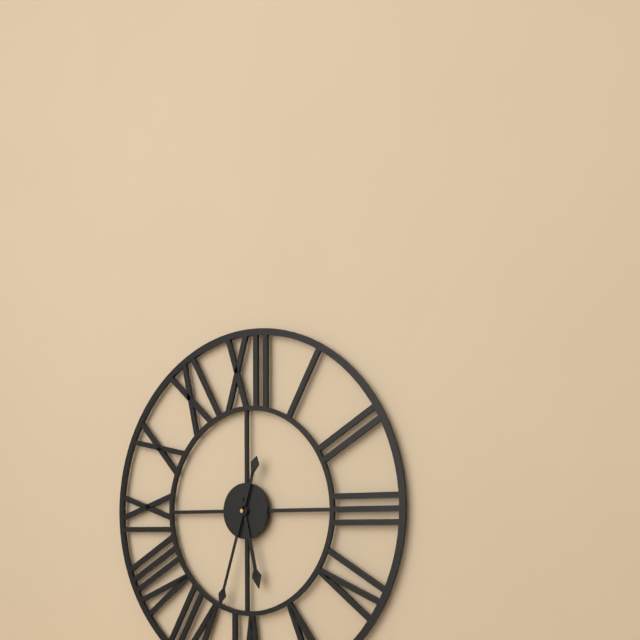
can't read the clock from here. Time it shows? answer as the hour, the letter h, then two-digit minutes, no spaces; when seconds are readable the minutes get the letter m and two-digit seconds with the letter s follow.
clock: 5h33
